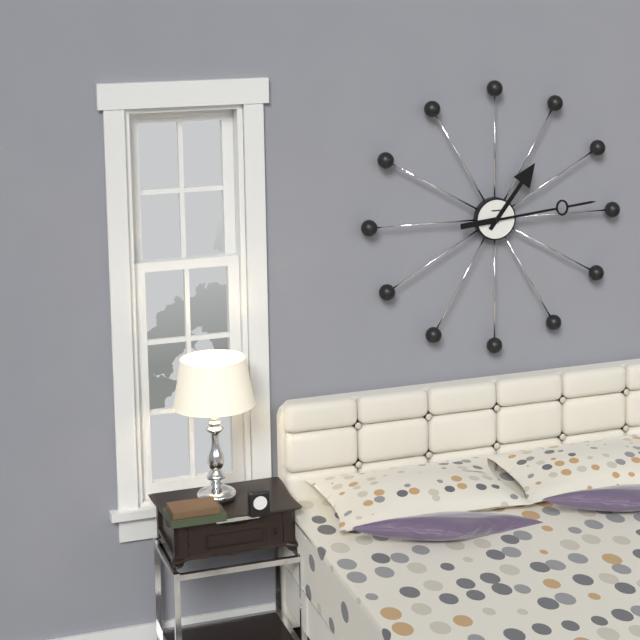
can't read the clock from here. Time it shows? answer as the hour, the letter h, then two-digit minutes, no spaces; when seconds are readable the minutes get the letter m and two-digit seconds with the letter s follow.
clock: 1h14
